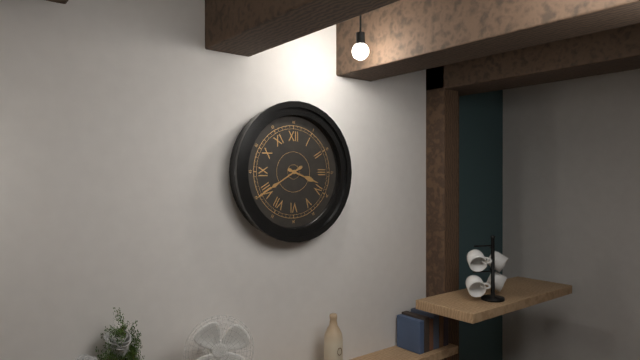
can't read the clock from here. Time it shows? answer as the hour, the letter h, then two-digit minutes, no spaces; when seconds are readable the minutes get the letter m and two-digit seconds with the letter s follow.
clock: 3h40
